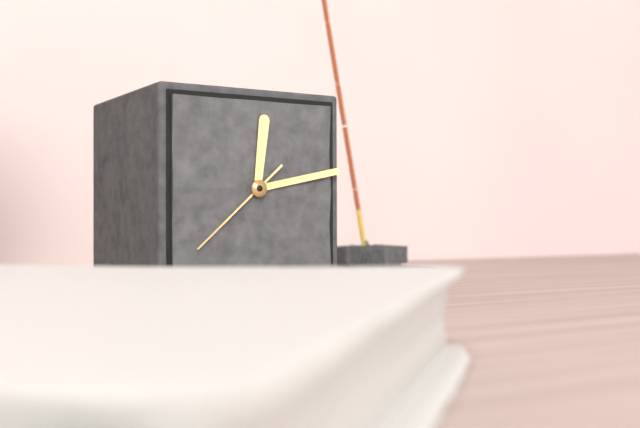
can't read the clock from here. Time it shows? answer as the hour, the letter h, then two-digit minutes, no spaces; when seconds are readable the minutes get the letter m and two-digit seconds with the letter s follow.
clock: 12h13m38s
